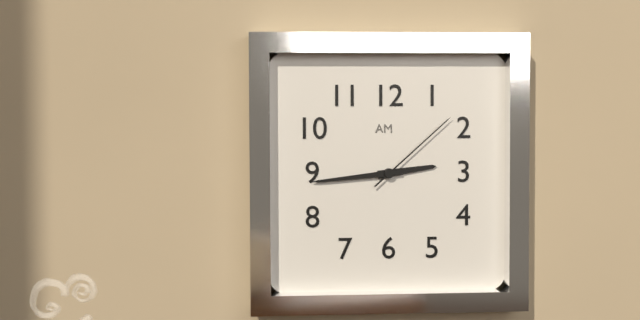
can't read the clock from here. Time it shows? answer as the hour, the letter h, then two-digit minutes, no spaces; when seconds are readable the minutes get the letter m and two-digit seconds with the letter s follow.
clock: 2h44m08s
